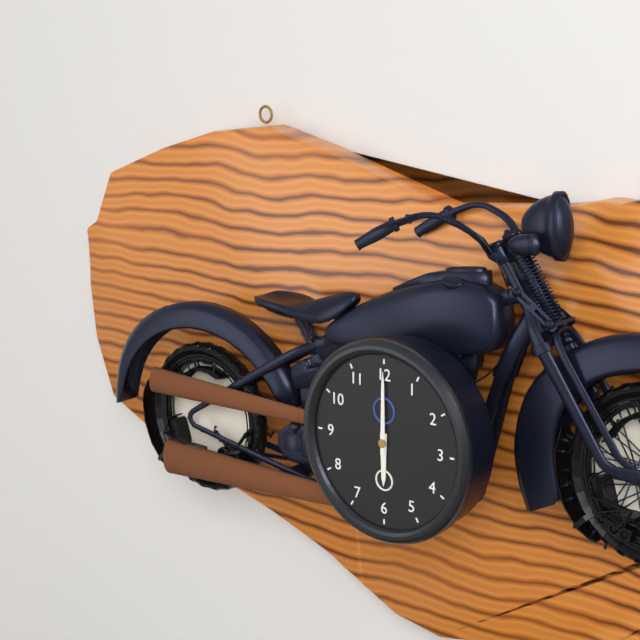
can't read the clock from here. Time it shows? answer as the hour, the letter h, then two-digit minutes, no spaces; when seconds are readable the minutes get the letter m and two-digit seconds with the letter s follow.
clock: 6h00
